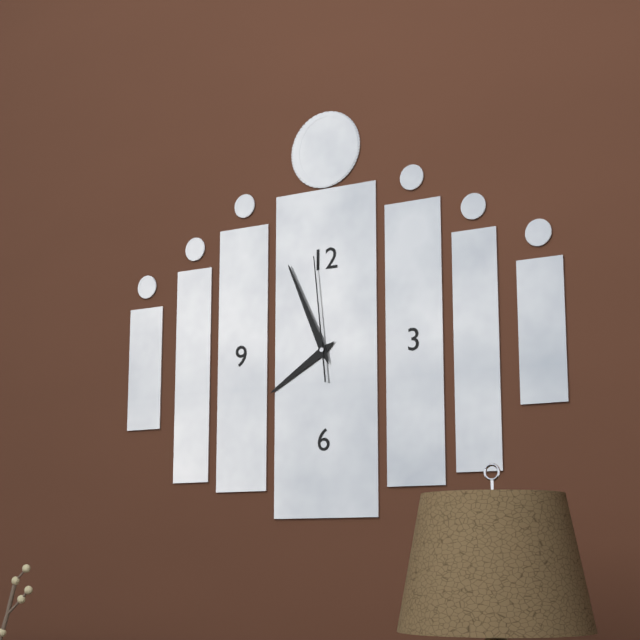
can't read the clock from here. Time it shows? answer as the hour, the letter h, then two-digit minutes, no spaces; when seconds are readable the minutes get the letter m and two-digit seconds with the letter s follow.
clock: 7h56m59s
